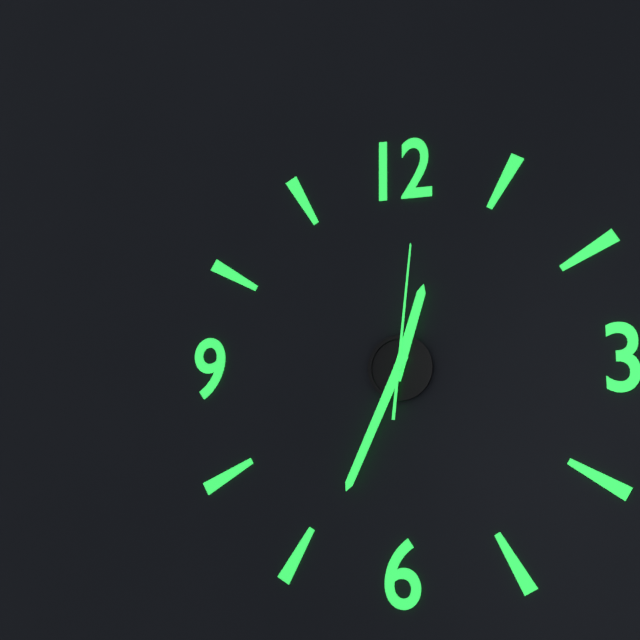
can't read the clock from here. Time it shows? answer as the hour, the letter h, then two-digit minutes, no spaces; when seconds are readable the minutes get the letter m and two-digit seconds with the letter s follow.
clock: 12h34m01s
